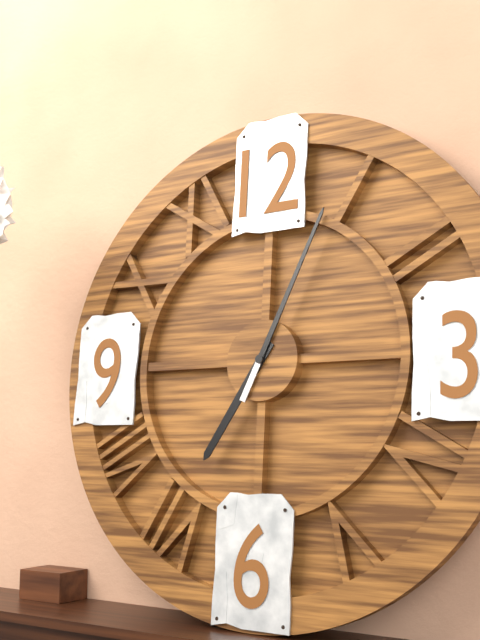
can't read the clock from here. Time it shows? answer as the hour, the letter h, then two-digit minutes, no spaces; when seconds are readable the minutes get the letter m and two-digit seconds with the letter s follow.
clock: 7h04
